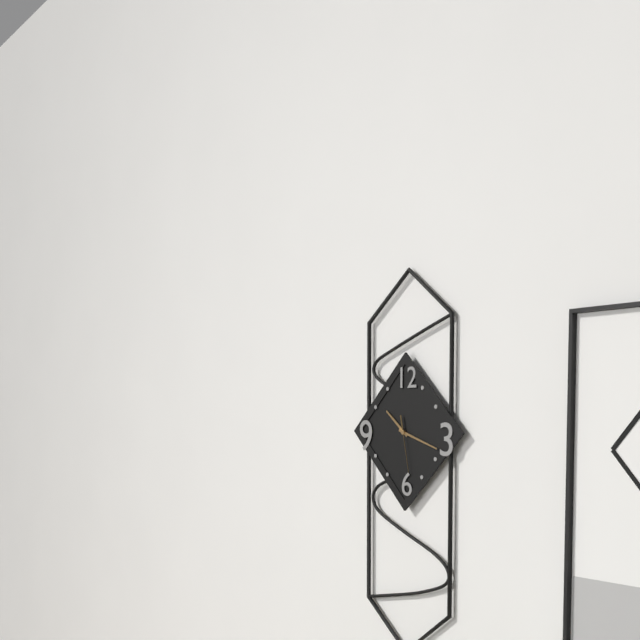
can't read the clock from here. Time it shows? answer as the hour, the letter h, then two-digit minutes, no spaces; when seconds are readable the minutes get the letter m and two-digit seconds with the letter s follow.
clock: 10h18m28s
